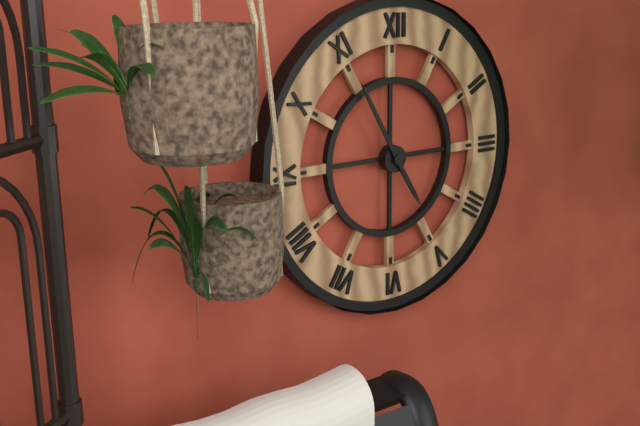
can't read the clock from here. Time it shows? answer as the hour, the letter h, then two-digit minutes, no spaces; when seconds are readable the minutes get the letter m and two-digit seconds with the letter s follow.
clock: 4h55
